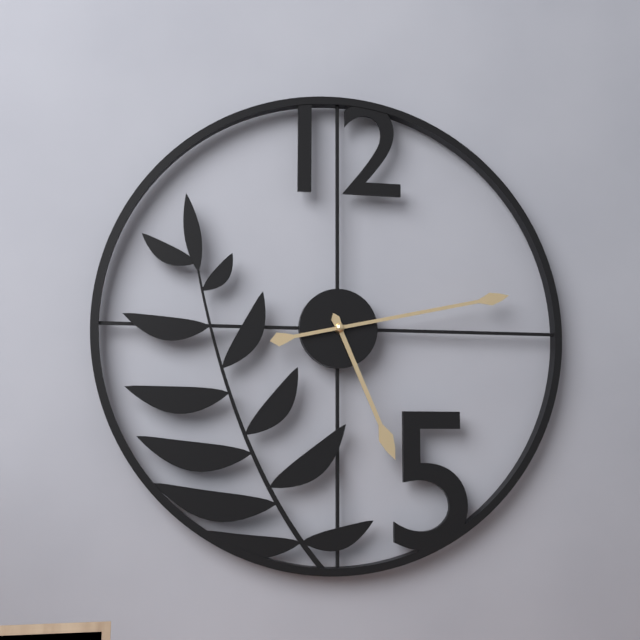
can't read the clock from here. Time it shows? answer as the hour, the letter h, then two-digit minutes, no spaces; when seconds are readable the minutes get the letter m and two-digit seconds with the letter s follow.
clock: 5h13
